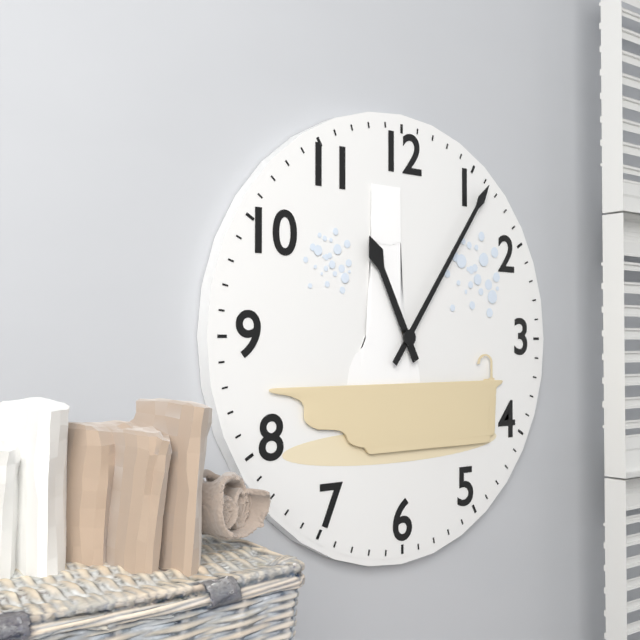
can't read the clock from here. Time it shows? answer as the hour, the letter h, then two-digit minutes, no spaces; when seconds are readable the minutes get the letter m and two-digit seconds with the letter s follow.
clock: 11h06
